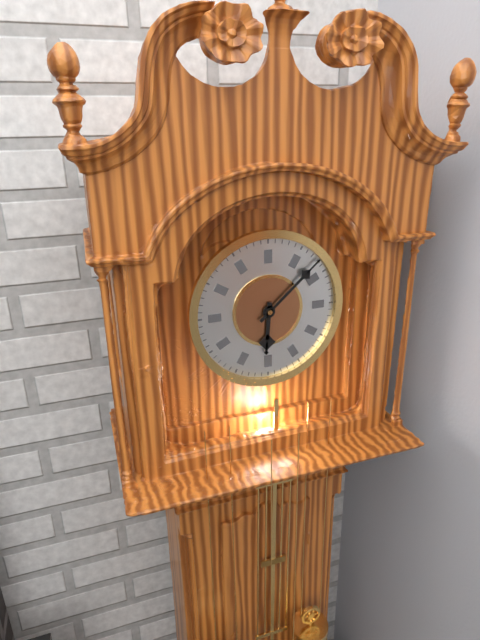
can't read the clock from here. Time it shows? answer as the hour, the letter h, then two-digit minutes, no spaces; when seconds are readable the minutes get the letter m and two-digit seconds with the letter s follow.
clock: 6h08
